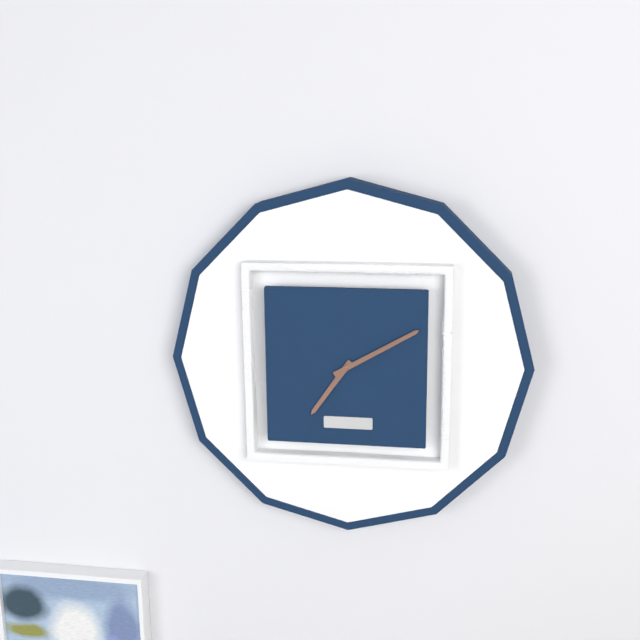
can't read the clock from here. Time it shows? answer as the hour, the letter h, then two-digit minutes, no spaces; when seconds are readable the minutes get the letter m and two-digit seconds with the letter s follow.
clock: 7h10
